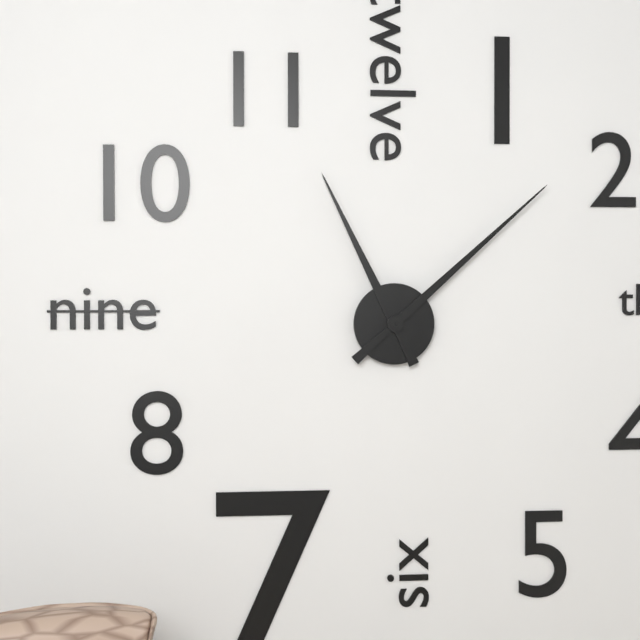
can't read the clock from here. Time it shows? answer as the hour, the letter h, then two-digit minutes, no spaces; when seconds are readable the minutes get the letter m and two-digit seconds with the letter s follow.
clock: 11h08
